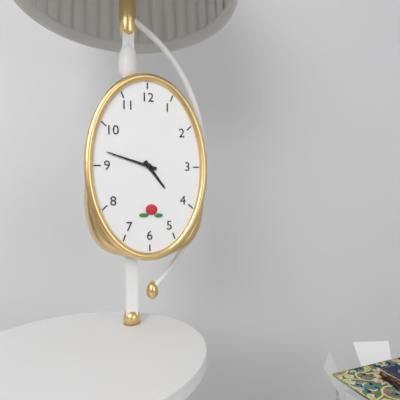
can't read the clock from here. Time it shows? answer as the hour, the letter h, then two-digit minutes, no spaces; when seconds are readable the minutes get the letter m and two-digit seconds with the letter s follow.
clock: 4h48
